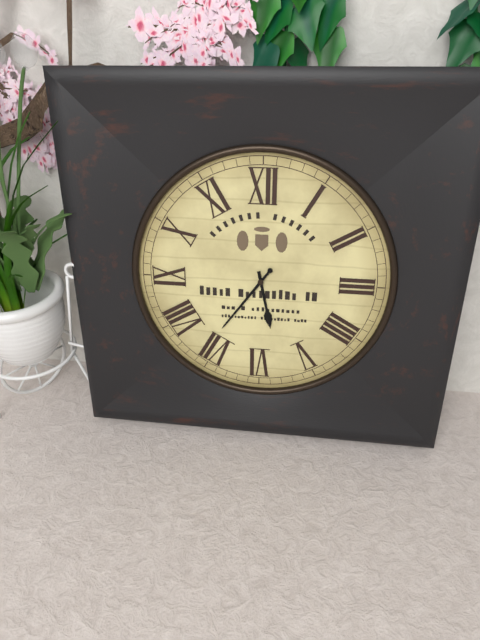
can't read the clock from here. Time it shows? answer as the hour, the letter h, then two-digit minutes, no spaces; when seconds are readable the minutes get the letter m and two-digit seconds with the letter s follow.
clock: 5h36
